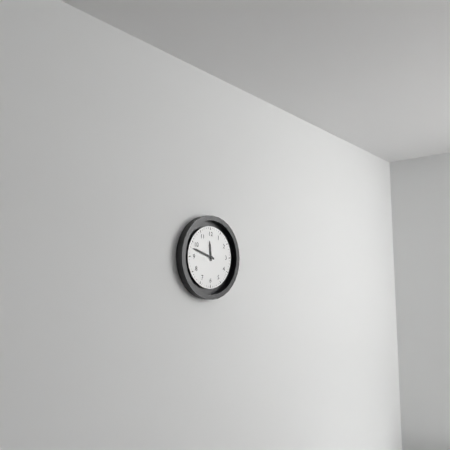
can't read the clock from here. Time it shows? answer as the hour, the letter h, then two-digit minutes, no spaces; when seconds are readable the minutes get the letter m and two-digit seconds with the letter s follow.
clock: 11h48
